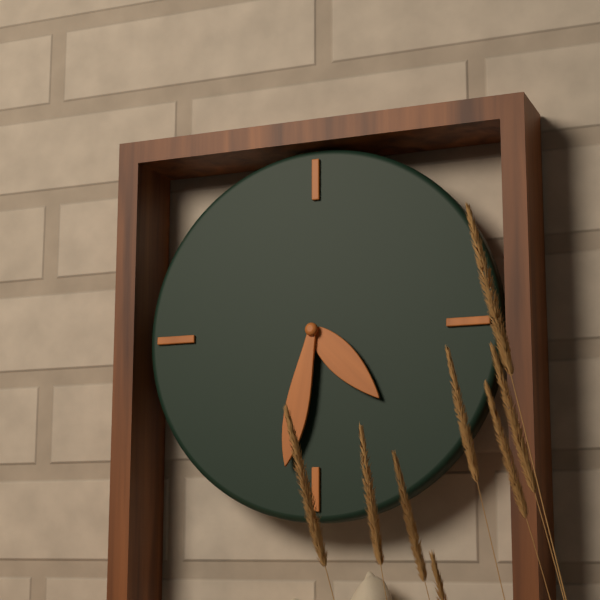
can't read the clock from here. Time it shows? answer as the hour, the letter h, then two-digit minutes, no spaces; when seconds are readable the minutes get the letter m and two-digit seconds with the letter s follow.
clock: 4h32
